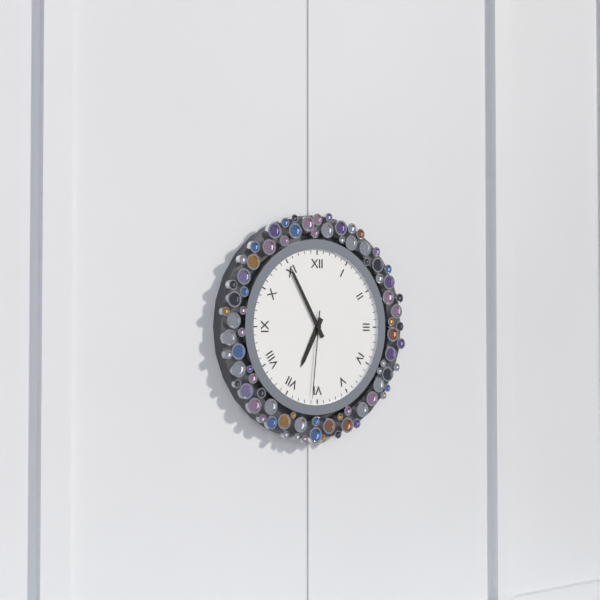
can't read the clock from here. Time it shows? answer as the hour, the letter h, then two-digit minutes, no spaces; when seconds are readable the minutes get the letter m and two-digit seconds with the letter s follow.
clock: 6h55m31s
